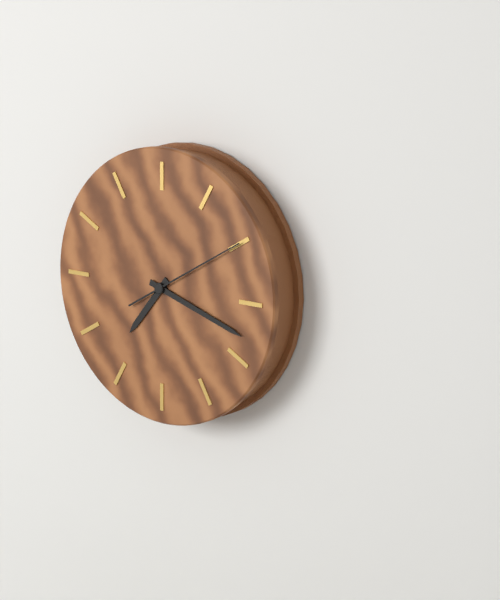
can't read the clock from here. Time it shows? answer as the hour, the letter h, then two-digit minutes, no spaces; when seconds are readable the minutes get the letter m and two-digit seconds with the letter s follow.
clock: 7h18m10s
